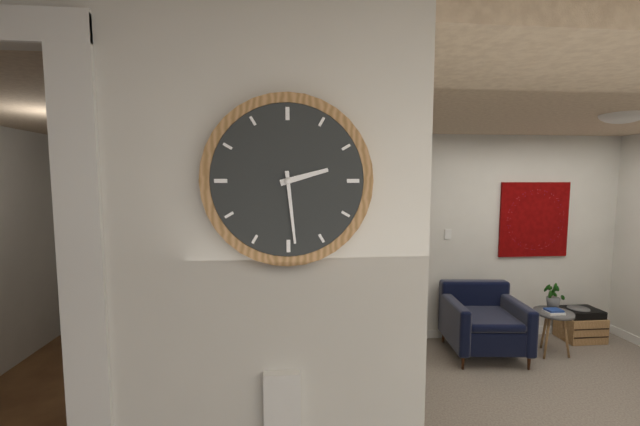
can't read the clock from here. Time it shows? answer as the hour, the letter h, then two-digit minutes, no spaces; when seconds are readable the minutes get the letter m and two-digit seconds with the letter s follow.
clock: 2h29
